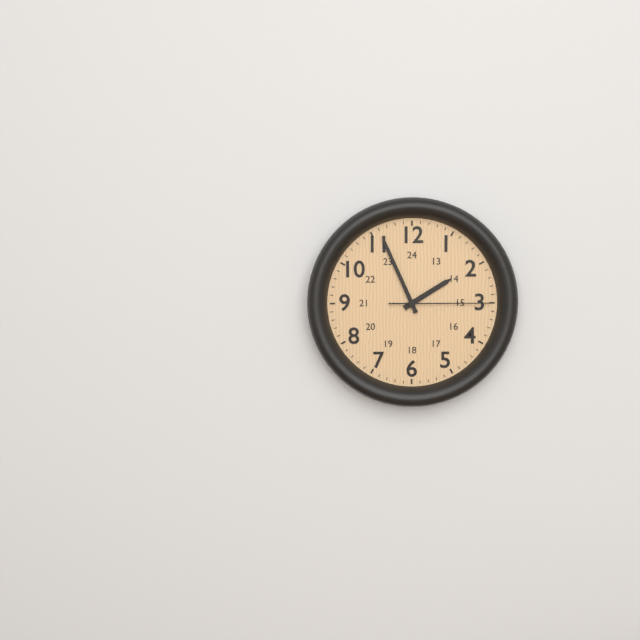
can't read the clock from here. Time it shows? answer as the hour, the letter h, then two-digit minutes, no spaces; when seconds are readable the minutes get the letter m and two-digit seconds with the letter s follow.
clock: 1h56m15s
